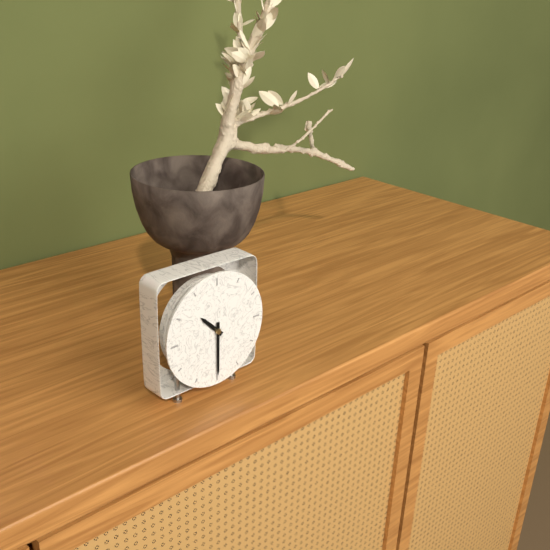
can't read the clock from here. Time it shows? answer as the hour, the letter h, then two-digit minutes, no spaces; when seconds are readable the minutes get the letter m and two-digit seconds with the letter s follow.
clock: 10h30
